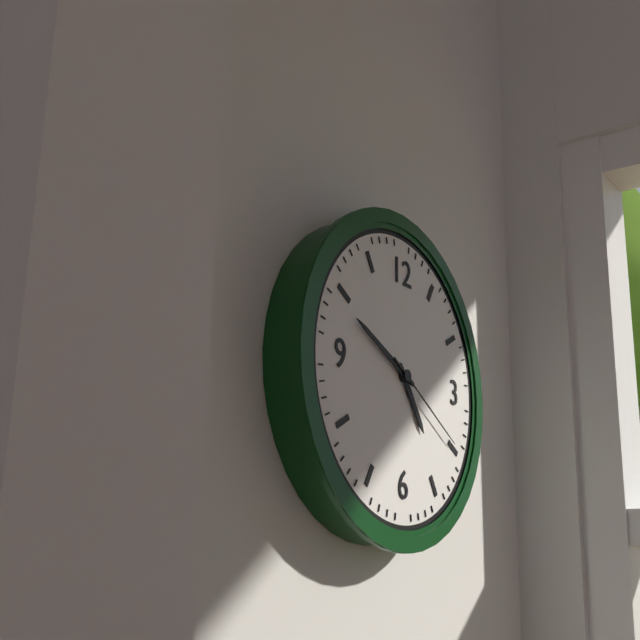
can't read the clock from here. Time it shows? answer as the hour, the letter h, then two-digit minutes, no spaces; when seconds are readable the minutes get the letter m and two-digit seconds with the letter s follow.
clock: 4h49m20s
